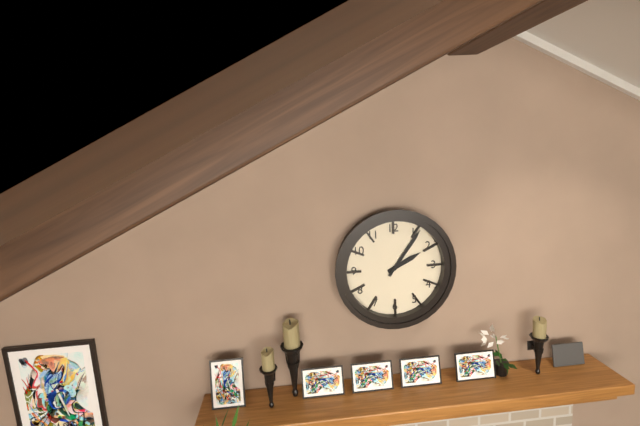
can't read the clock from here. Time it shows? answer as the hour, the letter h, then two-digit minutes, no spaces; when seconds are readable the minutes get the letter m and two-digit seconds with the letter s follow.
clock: 2h06
